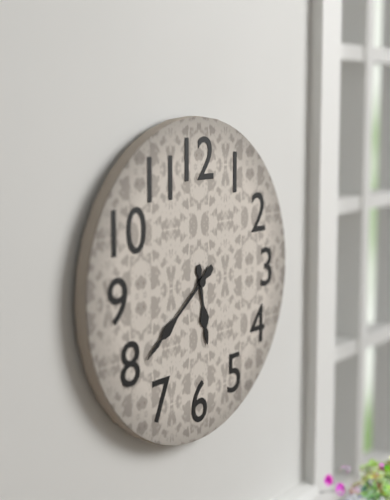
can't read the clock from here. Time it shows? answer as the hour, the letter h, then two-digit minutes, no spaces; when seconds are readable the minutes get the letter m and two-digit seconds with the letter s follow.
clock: 5h39
